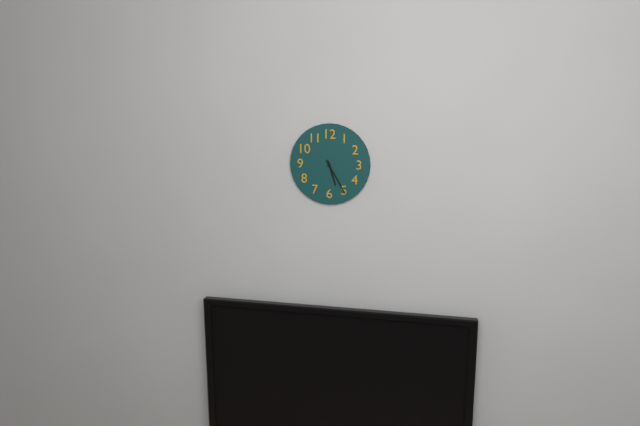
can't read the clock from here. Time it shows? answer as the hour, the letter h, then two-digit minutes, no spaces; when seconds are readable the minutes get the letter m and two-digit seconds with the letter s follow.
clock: 5h25
